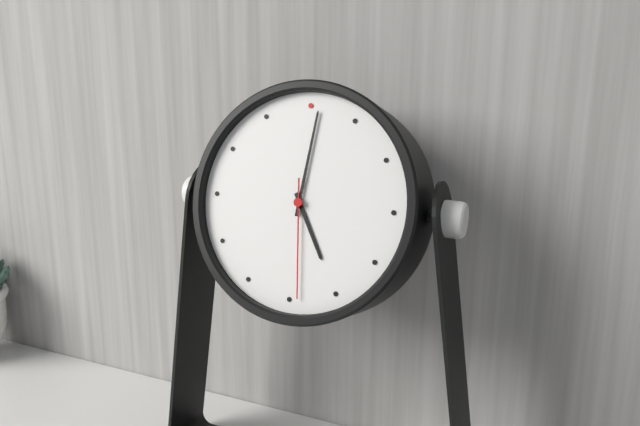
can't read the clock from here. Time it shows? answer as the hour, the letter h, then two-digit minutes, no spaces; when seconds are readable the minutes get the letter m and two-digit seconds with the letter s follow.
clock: 5h01m29s
